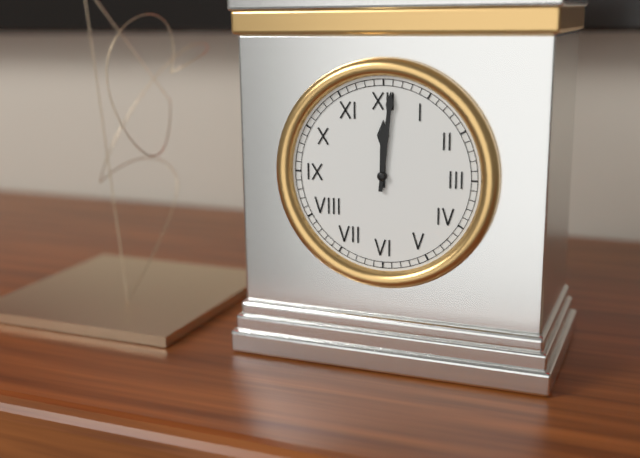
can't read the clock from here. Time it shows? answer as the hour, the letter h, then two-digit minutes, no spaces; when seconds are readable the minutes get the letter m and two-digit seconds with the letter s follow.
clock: 12h01
